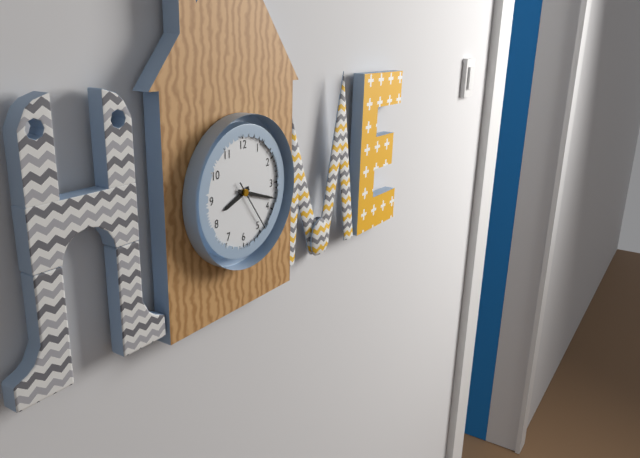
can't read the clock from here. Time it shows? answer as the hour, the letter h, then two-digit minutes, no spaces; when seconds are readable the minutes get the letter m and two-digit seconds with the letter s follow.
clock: 8h18m24s
